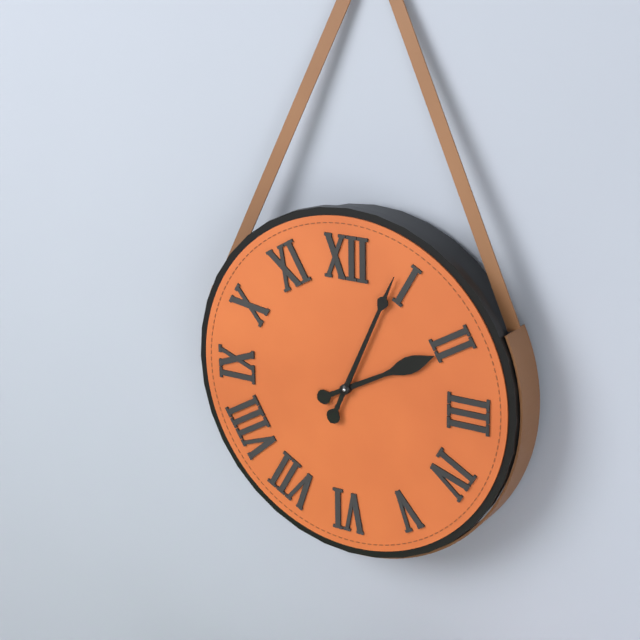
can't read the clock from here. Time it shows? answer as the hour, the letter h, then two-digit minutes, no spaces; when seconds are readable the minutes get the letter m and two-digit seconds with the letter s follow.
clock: 2h04
